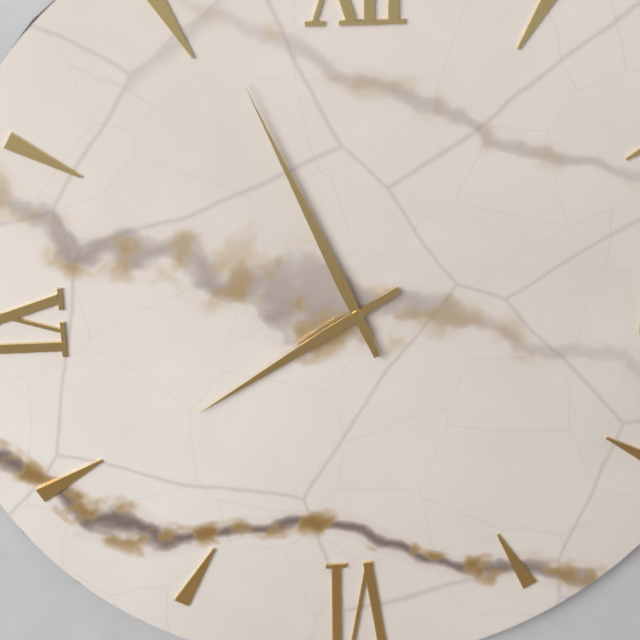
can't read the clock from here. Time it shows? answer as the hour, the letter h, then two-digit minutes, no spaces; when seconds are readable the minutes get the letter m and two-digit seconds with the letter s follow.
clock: 7h56
